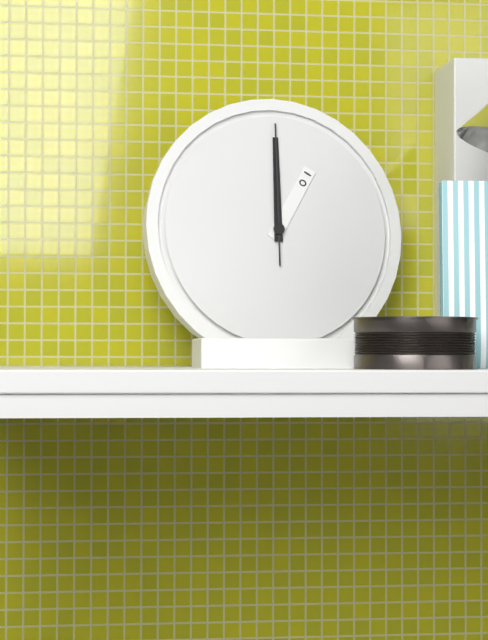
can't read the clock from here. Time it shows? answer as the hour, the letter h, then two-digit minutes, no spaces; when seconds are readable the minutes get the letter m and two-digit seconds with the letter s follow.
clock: 1h00m00s
